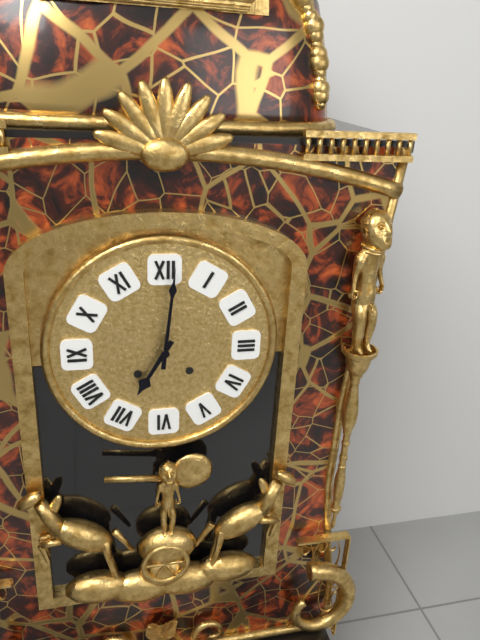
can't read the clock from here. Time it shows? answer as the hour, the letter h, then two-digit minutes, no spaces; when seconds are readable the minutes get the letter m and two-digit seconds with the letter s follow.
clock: 7h01
